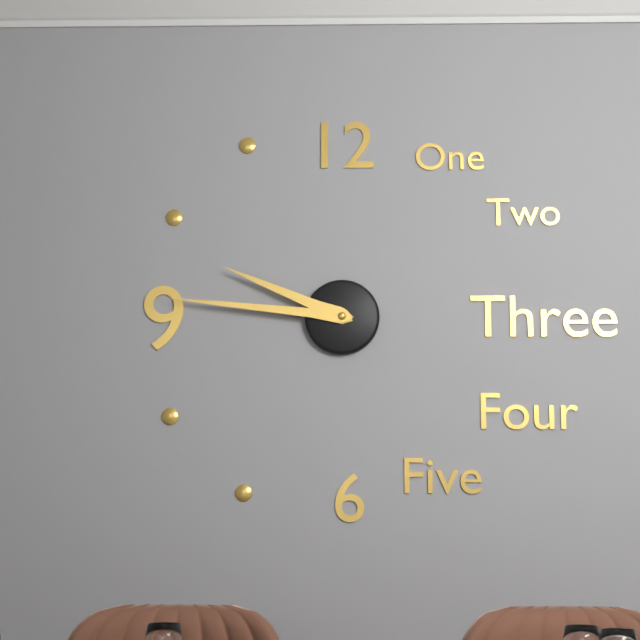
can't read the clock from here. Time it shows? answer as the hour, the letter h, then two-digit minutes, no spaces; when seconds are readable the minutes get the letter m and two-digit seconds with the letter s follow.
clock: 9h46
